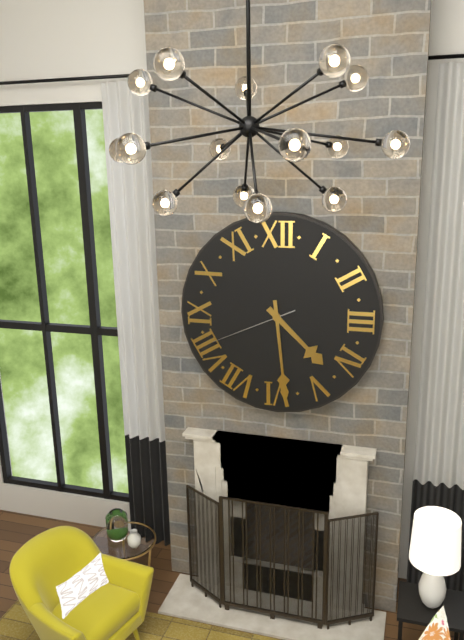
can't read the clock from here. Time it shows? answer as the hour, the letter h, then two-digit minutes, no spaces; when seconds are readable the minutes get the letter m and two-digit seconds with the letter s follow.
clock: 4h29m41s
